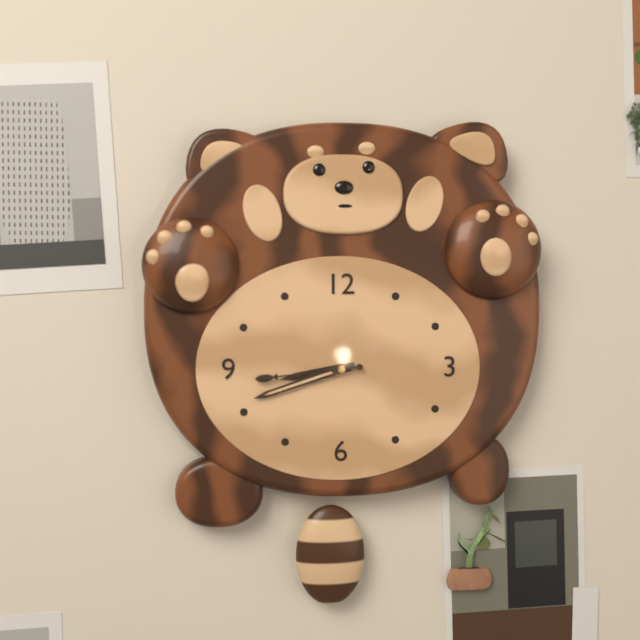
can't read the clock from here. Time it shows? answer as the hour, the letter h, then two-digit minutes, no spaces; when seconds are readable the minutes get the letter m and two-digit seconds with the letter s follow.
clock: 8h42m44s
